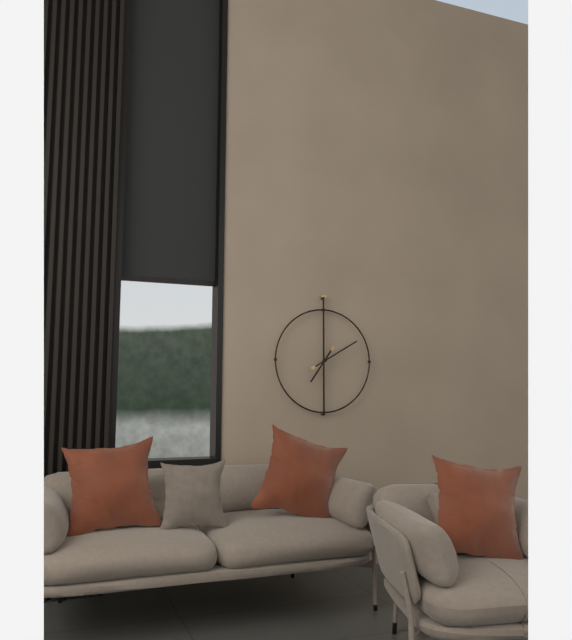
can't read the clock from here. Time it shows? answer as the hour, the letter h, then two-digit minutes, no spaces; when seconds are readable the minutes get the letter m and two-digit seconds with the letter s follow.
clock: 7h10
